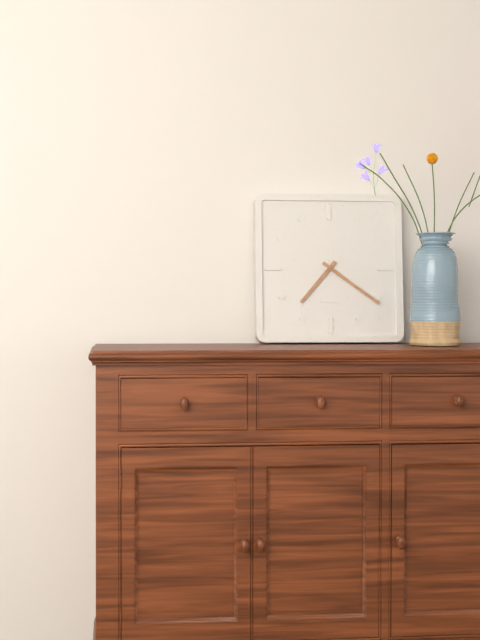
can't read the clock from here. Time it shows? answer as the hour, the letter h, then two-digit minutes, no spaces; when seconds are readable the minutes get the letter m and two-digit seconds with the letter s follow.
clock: 7h21
